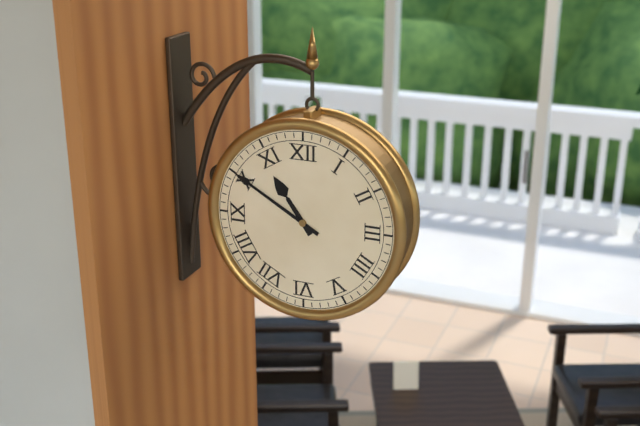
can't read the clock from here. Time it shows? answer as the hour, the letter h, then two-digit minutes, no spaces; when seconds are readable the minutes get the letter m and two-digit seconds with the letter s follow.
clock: 10h50
